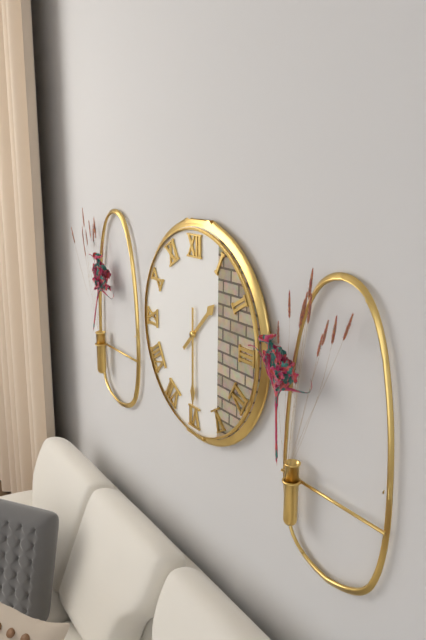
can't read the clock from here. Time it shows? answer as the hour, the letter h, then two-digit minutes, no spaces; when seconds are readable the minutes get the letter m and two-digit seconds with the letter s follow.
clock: 1h30
